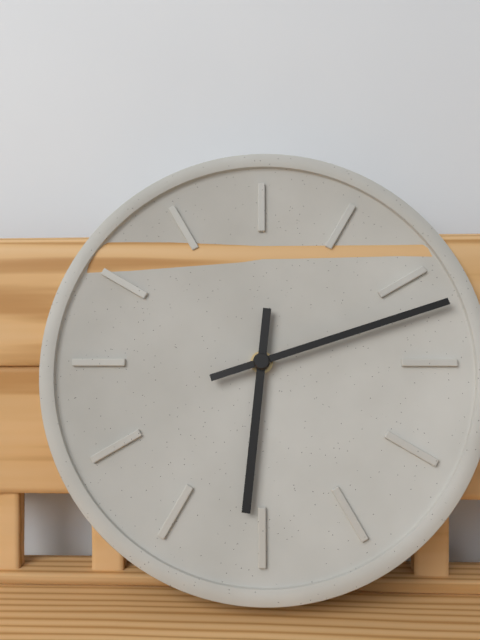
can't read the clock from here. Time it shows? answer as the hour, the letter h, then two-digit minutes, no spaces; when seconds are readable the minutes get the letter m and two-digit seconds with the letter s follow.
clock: 6h12
